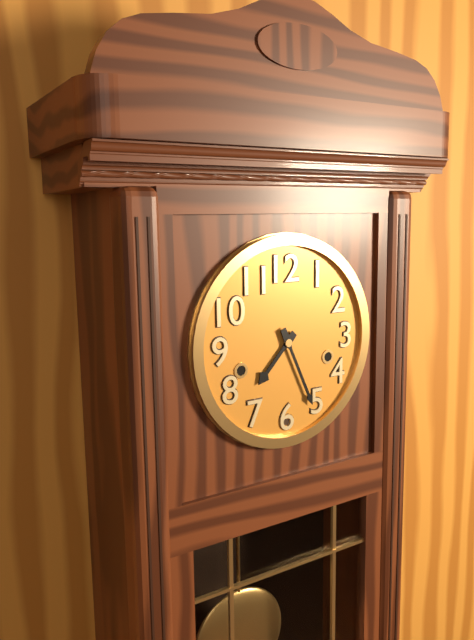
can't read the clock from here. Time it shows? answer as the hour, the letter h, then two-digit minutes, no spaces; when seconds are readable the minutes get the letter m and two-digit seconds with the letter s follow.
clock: 7h26
